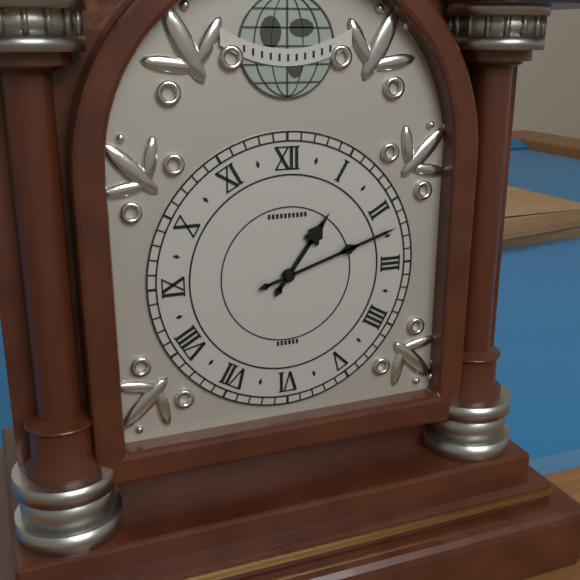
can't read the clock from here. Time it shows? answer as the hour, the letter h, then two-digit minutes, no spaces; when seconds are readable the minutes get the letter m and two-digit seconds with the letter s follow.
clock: 1h12
